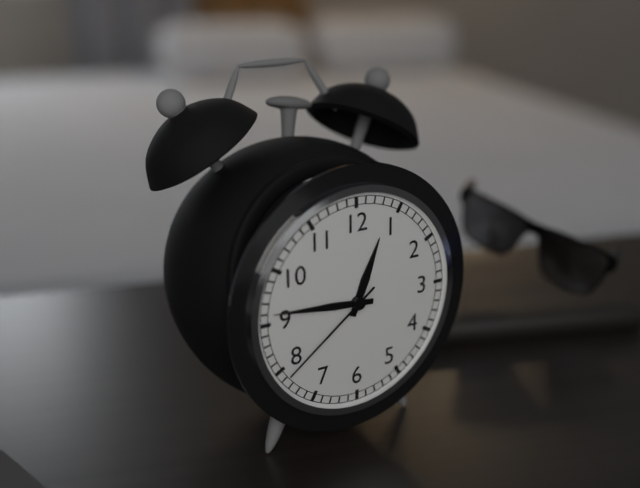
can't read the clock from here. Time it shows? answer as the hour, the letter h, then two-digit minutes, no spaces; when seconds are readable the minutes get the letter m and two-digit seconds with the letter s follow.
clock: 12h46m39s
